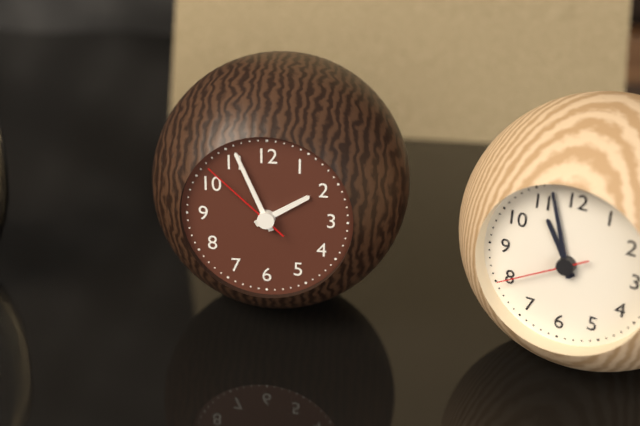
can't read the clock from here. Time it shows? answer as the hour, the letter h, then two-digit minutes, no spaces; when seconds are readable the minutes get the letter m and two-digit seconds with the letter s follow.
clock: 1h56m52s
